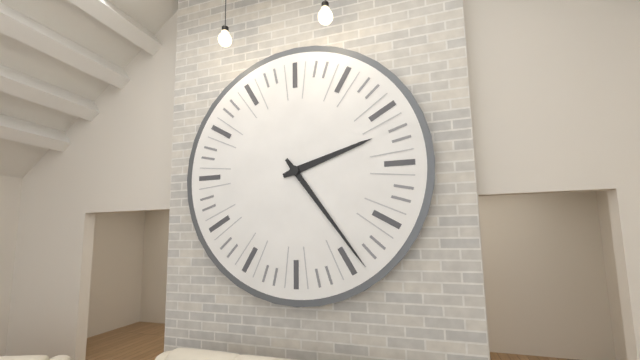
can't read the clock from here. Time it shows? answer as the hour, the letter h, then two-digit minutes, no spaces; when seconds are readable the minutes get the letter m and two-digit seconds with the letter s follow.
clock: 2h24
